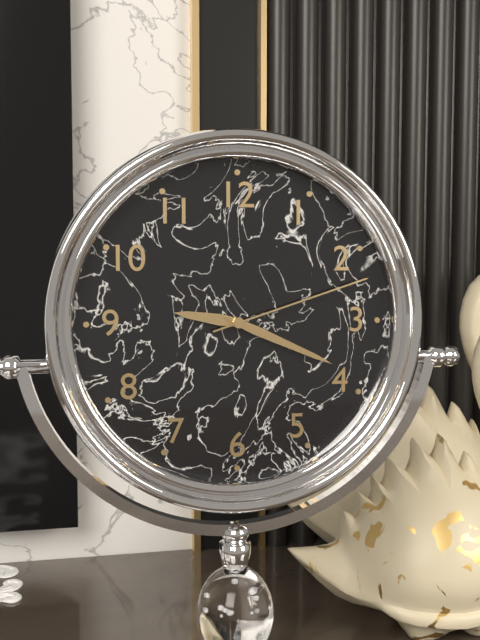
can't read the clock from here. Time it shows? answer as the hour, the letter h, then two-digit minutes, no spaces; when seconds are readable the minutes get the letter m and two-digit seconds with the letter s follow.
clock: 9h19m12s
